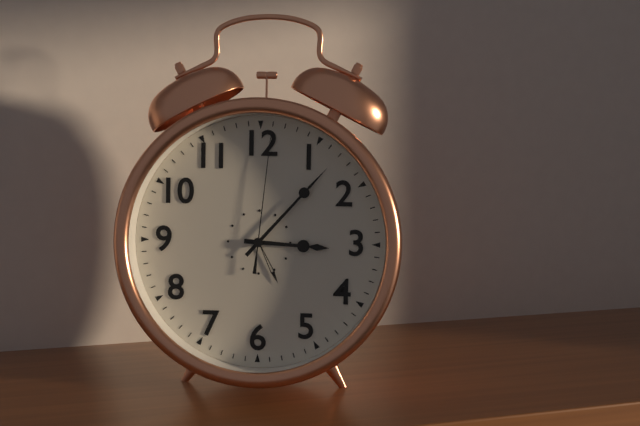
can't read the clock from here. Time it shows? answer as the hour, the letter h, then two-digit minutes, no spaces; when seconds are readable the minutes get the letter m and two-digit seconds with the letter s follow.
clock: 3h07m01s
